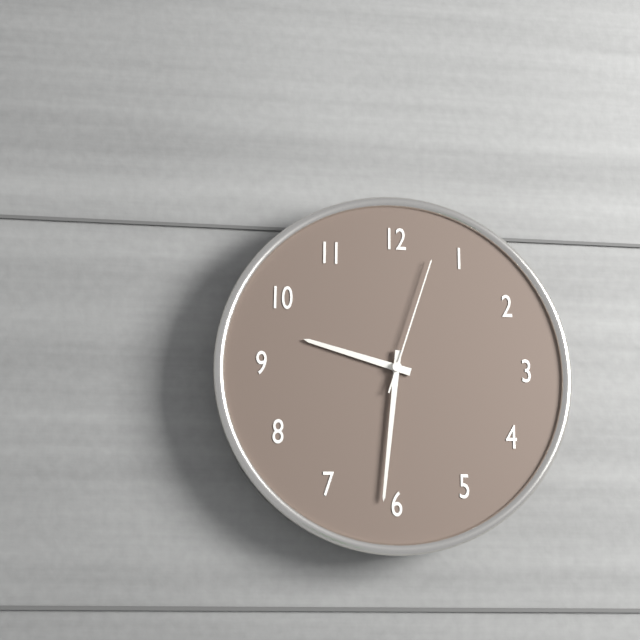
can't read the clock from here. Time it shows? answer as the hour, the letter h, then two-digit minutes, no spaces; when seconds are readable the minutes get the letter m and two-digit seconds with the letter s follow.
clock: 9h31m03s
